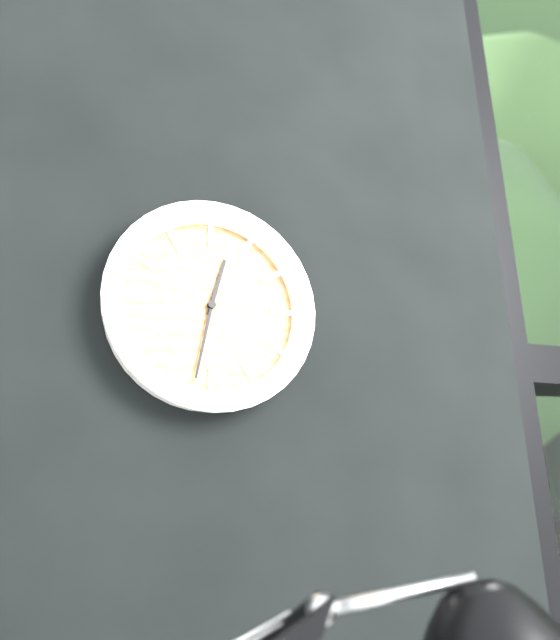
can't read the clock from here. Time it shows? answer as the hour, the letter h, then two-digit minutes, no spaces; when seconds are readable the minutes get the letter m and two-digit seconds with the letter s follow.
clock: 12h32
